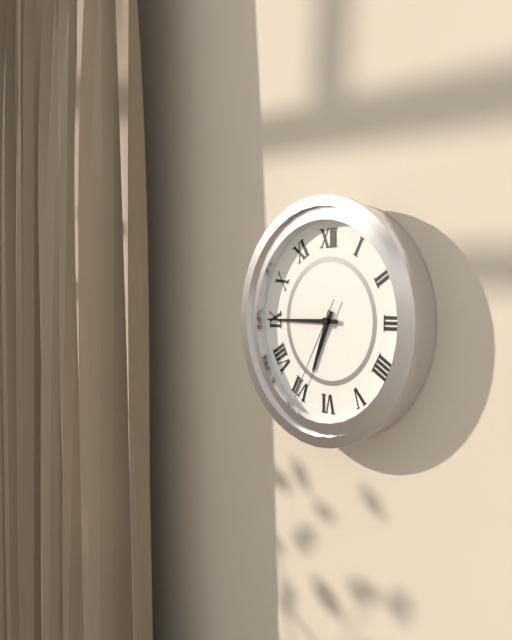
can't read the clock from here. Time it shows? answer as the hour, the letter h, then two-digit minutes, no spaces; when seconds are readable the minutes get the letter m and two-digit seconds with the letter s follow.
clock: 6h45m35s
